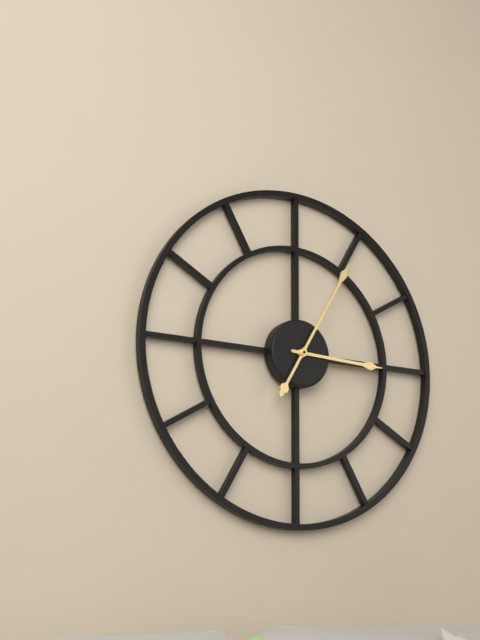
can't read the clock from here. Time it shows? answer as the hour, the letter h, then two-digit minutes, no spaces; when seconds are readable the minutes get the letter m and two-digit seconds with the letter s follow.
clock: 3h05
